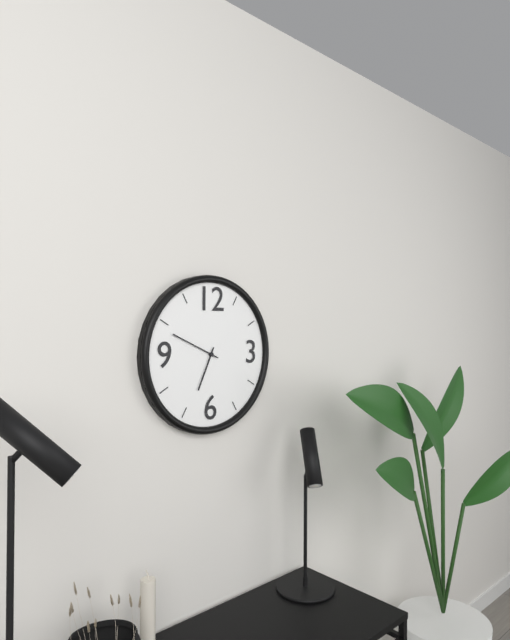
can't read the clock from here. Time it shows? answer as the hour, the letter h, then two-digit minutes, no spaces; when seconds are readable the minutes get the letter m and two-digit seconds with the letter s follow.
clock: 6h49
